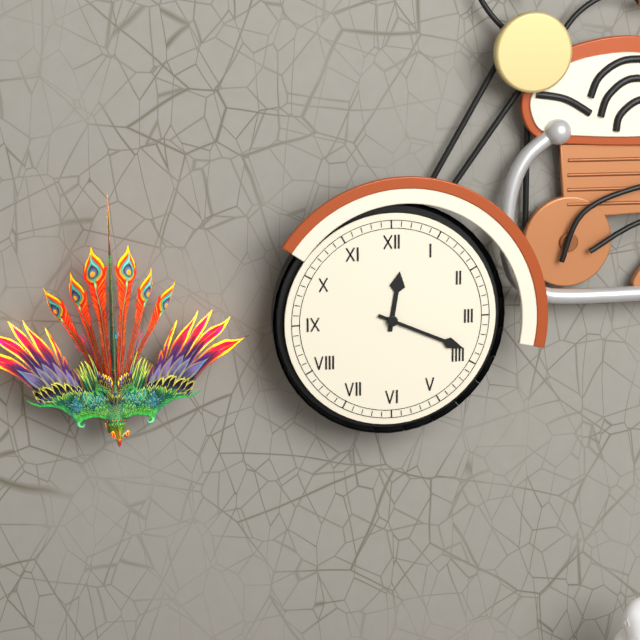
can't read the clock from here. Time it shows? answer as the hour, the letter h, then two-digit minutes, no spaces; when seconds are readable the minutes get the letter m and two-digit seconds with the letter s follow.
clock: 12h19
